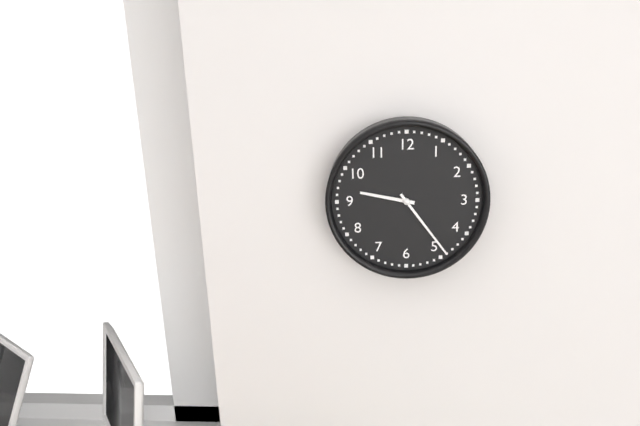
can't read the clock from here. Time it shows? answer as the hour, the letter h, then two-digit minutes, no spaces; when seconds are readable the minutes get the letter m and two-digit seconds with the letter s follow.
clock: 9h24
